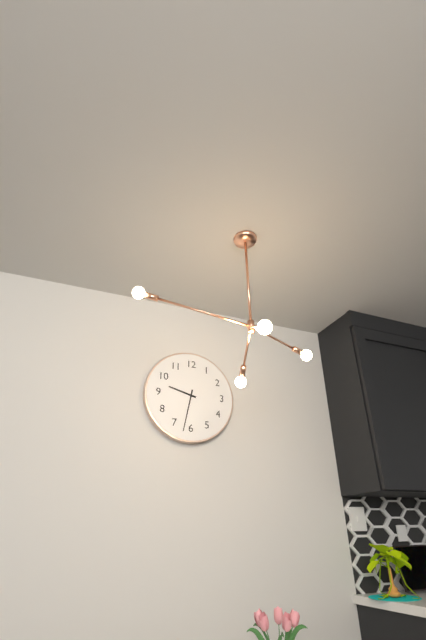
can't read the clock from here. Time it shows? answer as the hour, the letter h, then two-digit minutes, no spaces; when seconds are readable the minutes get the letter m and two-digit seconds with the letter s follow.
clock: 9h32
